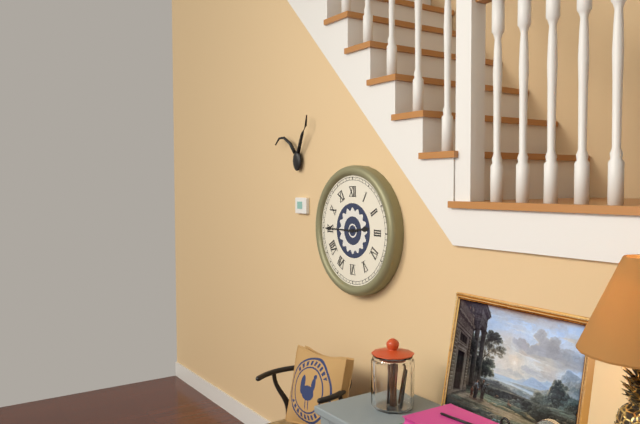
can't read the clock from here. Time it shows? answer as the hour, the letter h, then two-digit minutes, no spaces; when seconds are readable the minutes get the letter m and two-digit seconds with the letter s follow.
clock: 2h45
